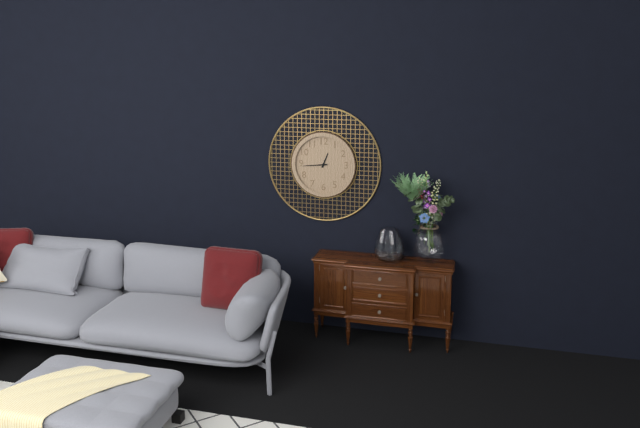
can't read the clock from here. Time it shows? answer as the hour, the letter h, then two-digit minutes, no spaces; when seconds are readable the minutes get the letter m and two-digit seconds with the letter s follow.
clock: 12h44
